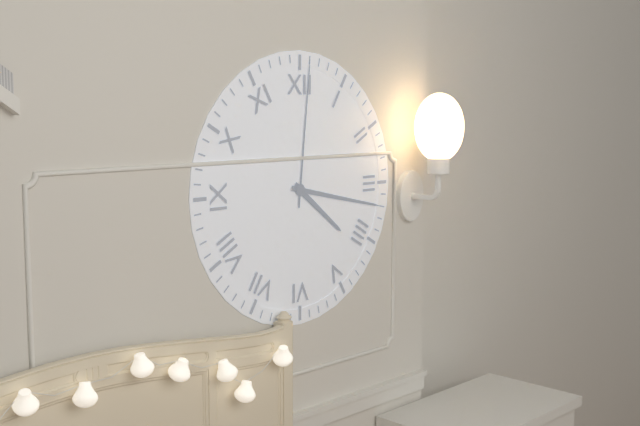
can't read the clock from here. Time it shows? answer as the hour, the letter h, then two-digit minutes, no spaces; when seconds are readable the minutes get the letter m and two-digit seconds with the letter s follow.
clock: 4h17m01s
